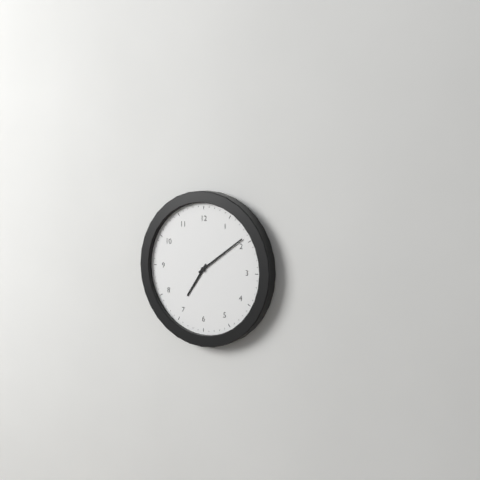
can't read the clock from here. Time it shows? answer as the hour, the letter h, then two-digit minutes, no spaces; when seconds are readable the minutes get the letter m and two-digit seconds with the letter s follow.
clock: 7h09
